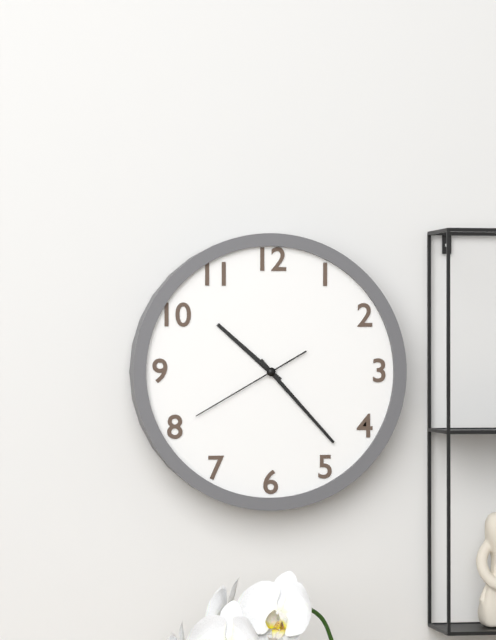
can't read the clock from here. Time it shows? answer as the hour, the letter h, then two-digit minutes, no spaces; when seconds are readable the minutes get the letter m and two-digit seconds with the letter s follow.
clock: 10h23m40s
